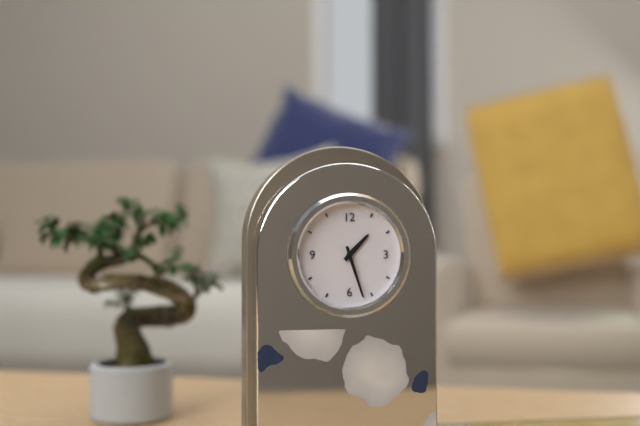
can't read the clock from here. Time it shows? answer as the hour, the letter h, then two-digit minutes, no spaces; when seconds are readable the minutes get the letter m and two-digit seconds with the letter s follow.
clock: 1h27
